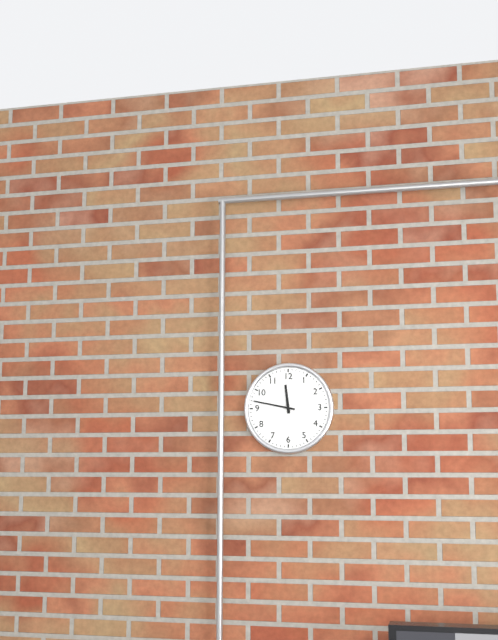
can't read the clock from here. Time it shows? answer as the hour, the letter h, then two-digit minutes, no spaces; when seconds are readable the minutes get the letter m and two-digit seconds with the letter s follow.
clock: 11h47
